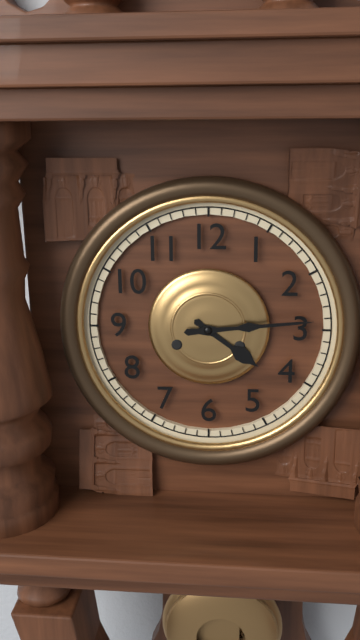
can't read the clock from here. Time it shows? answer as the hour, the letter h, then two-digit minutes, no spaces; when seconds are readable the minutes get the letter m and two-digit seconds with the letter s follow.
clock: 4h14
